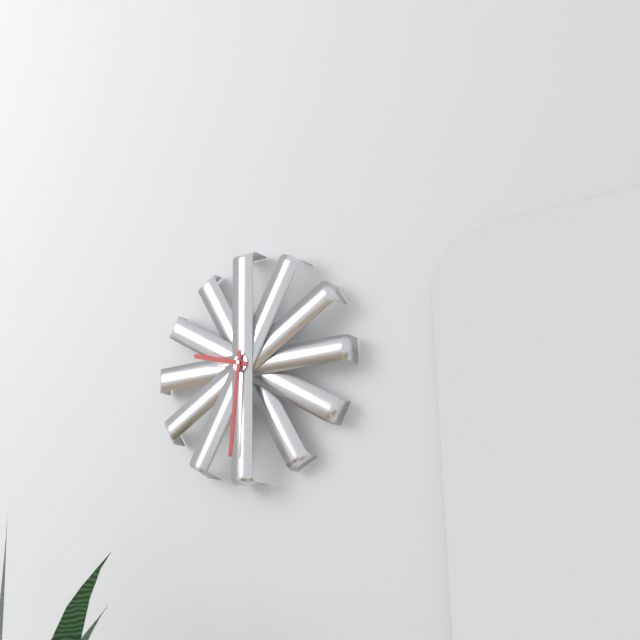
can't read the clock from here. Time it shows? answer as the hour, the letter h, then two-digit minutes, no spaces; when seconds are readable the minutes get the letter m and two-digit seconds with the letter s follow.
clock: 9h31
